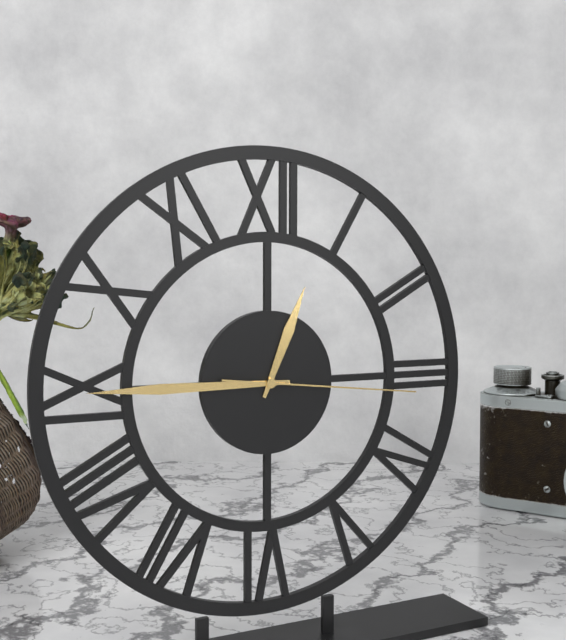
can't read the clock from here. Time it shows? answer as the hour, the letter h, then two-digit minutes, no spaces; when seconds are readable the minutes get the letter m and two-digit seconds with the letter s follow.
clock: 12h45m16s
